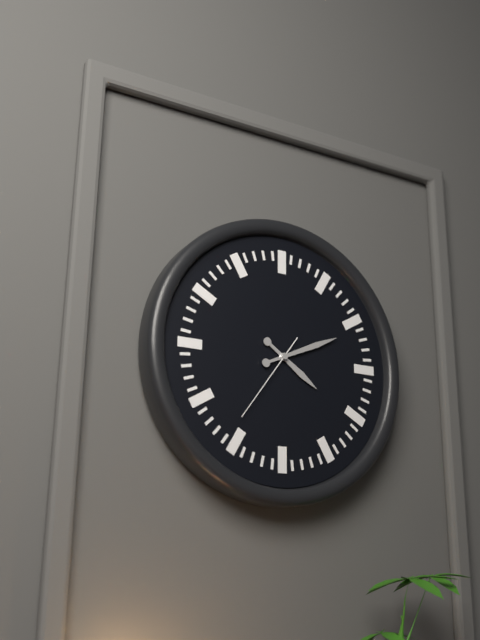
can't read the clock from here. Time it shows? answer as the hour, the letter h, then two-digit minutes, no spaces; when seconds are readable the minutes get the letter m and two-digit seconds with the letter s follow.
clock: 4h11m36s
